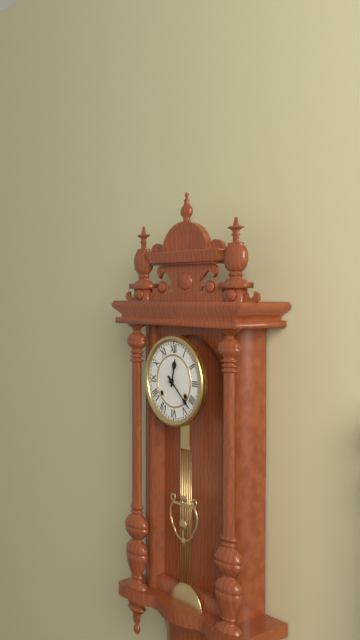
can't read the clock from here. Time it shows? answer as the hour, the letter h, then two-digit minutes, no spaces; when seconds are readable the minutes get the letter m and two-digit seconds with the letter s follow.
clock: 12h22
